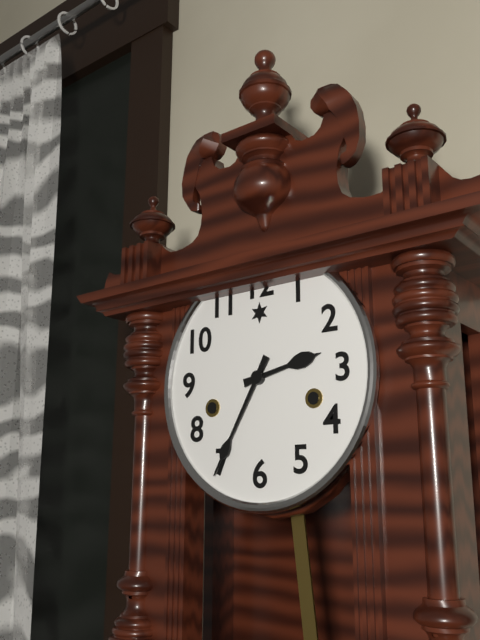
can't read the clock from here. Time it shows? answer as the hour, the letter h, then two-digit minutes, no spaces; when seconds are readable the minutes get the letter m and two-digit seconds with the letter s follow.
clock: 2h35
